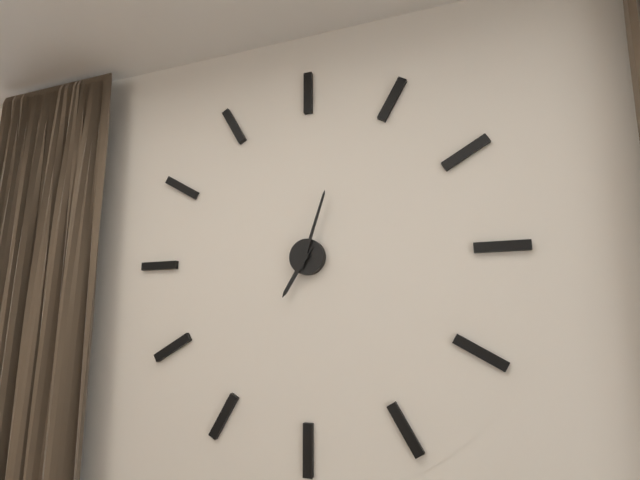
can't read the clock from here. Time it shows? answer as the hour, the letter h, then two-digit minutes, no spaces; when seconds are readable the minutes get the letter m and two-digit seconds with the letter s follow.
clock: 7h03
